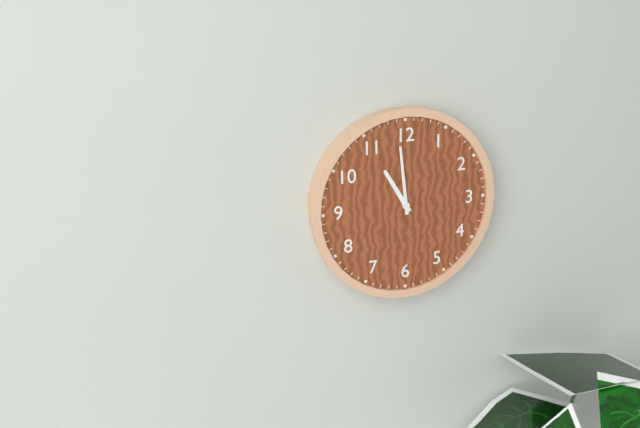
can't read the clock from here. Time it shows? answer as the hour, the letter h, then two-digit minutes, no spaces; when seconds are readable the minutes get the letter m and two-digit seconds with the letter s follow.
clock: 10h59
